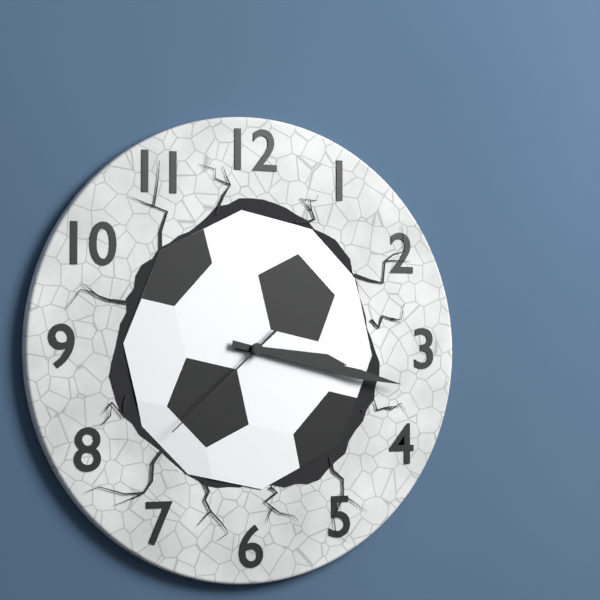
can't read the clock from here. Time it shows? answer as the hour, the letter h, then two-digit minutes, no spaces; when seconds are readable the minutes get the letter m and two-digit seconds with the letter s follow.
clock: 3h17m38s
